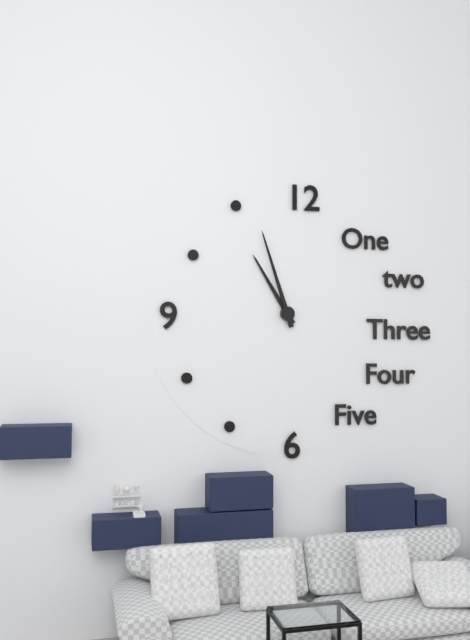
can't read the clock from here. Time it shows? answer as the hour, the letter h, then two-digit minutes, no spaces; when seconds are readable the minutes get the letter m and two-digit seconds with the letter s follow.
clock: 10h57
